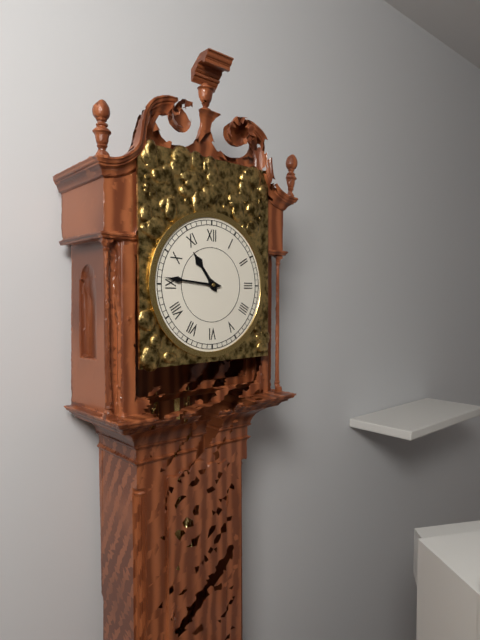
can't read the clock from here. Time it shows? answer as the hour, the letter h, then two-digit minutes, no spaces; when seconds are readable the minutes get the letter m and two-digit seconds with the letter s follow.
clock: 10h46
